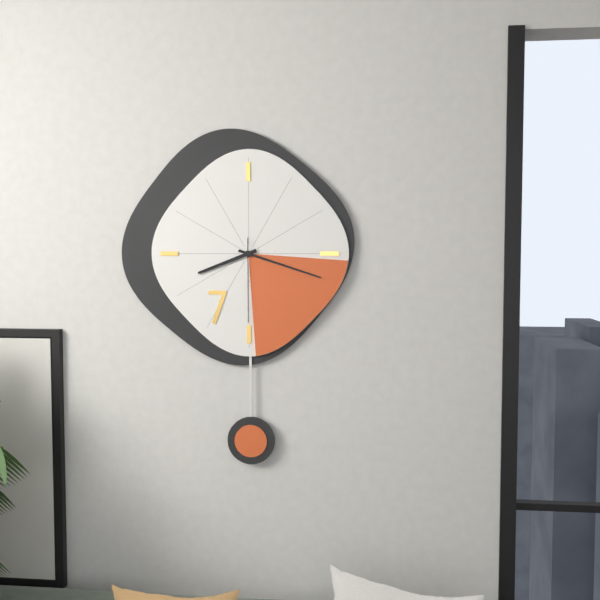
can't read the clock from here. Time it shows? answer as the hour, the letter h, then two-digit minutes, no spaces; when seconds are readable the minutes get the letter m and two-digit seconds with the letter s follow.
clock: 8h18m30s
